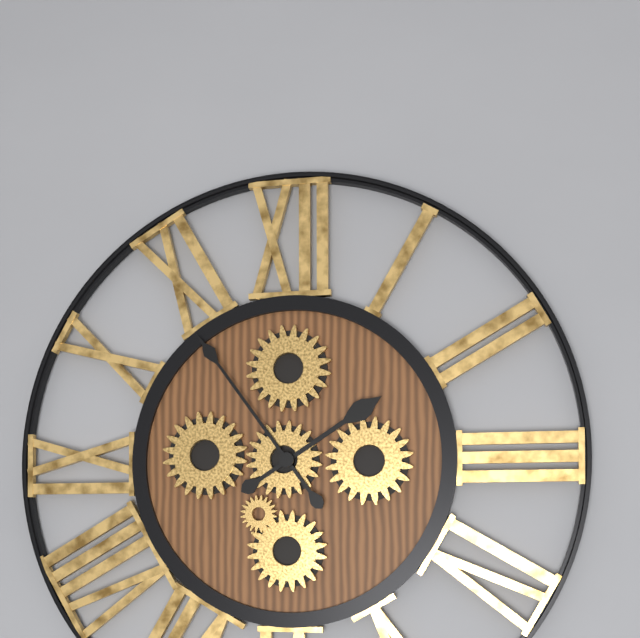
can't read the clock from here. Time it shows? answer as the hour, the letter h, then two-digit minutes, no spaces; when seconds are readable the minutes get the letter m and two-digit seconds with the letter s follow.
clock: 1h54
